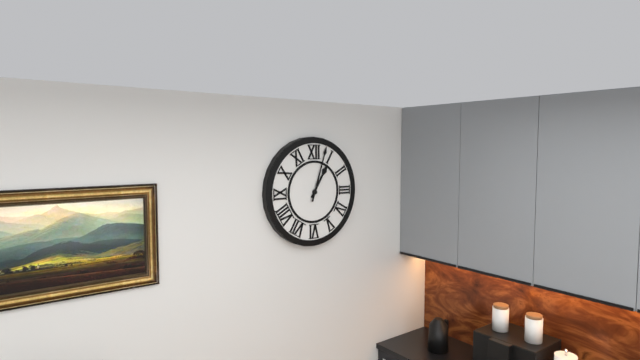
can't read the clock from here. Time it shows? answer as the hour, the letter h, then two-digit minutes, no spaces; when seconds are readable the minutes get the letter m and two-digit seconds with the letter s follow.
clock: 1h03
